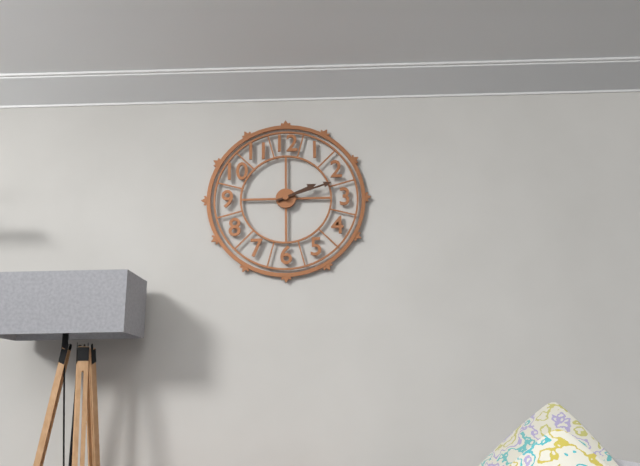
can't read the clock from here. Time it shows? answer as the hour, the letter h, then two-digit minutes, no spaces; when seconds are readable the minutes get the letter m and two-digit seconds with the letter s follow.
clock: 2h12
